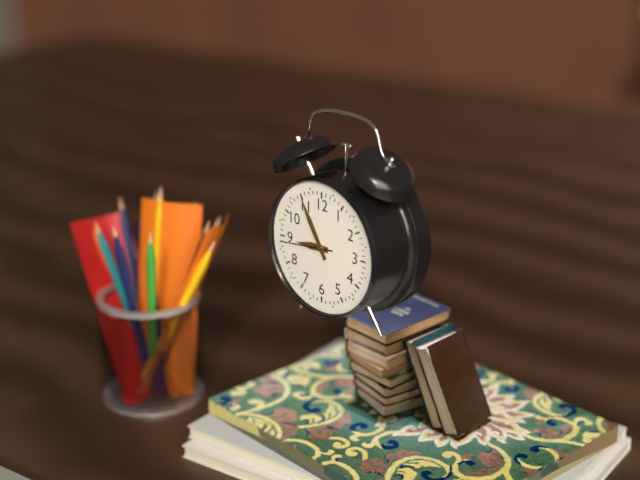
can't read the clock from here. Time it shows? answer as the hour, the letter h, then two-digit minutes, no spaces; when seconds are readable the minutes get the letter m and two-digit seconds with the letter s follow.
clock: 8h55m44s
